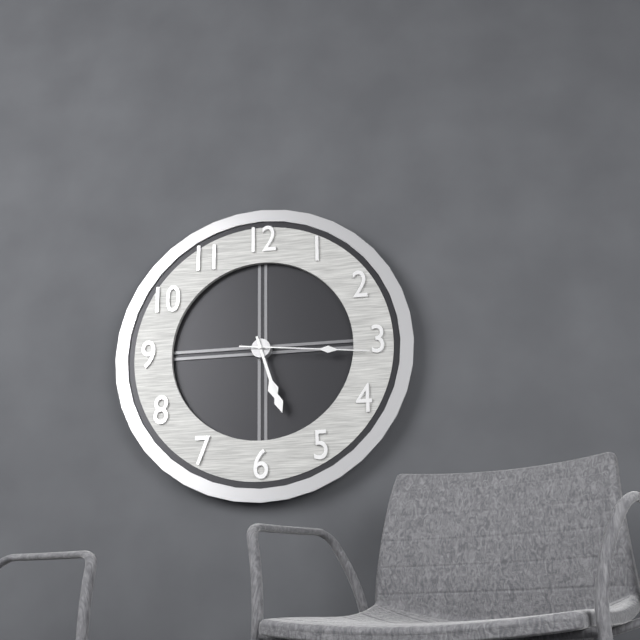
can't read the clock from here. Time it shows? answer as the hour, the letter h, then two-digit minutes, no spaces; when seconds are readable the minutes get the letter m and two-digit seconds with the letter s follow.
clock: 5h27m16s
